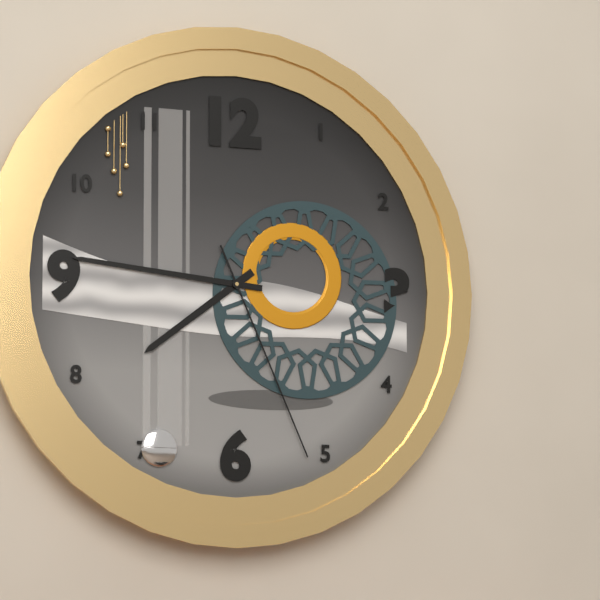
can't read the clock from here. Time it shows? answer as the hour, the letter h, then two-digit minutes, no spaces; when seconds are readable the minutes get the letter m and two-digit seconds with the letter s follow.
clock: 7h46m26s
